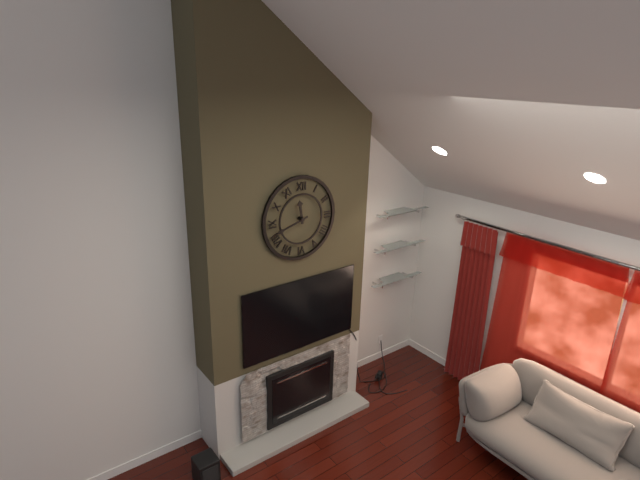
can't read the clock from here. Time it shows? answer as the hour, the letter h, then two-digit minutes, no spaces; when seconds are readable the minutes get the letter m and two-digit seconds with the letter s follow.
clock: 11h42
